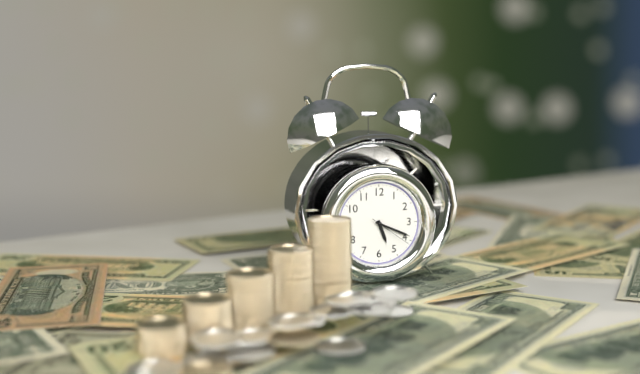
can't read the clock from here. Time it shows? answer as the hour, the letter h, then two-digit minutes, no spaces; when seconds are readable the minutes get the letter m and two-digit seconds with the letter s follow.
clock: 5h19
